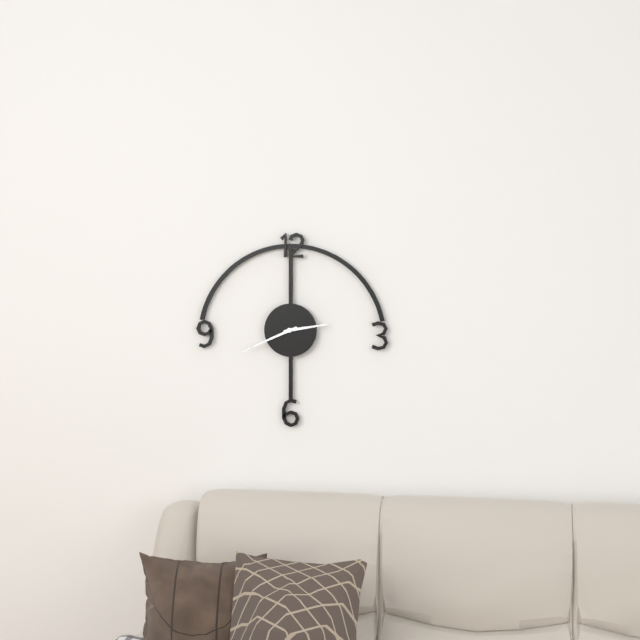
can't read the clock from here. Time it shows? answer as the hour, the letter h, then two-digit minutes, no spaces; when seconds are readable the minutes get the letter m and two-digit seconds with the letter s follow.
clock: 2h41
